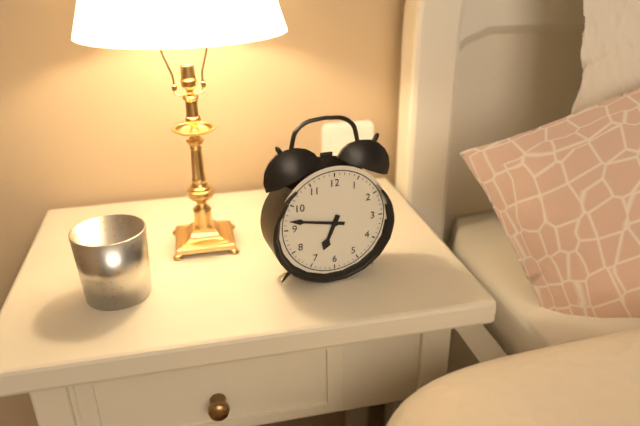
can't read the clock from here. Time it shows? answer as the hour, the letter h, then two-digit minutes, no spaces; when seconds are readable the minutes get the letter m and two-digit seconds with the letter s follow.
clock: 6h47
